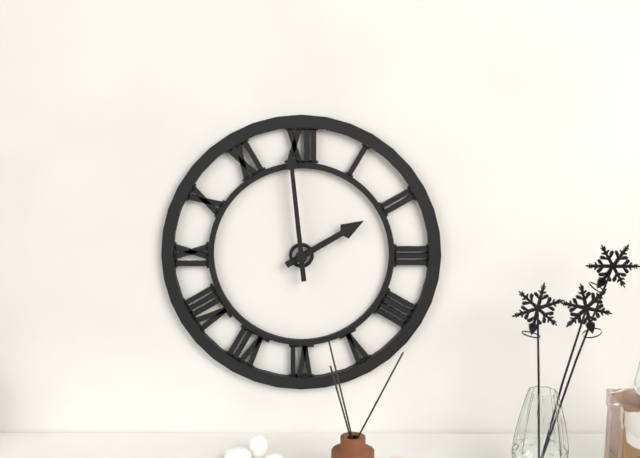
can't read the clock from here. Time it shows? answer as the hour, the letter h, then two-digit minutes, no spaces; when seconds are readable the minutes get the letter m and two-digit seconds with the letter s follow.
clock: 1h59
